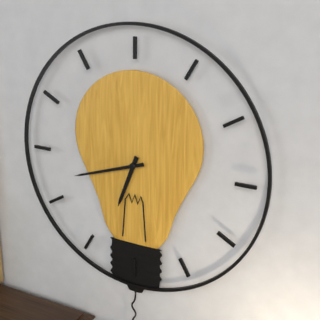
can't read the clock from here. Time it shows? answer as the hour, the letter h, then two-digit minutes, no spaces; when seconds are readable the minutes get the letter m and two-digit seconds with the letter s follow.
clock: 6h42
